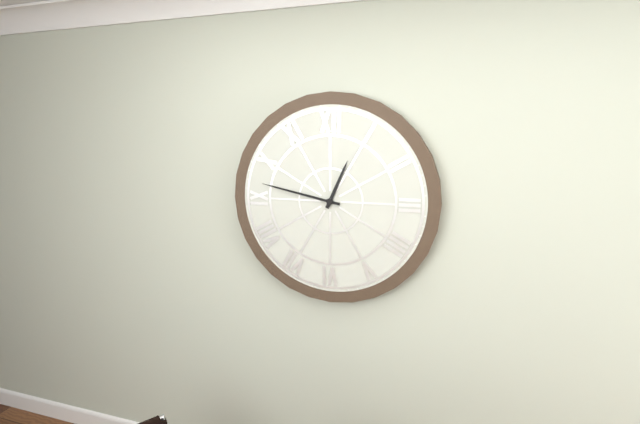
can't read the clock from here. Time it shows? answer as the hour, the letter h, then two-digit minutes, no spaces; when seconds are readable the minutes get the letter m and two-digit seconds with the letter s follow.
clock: 12h47
